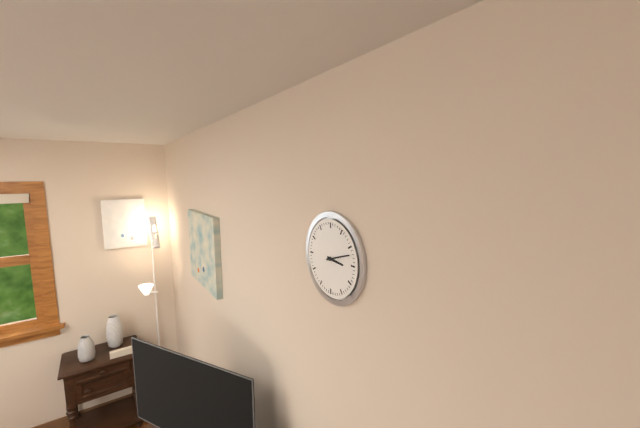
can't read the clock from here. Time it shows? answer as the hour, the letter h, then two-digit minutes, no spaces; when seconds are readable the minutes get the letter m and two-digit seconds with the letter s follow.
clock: 3h12
